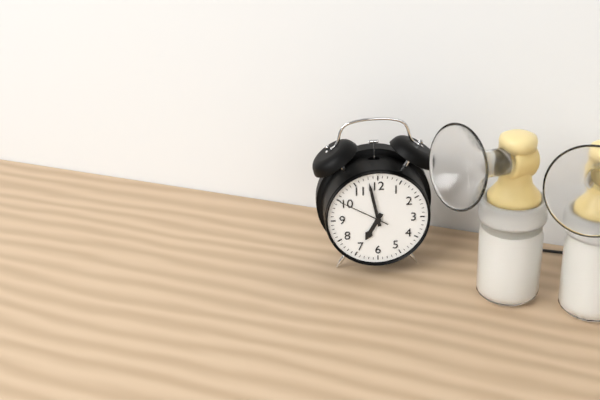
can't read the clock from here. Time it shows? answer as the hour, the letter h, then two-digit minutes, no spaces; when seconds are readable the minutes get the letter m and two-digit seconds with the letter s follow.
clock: 6h58m50s
